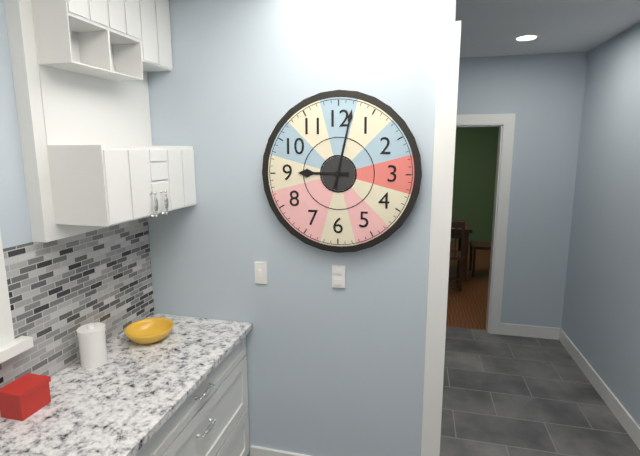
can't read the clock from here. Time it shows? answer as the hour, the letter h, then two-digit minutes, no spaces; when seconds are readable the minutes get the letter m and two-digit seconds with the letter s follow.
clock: 9h02
